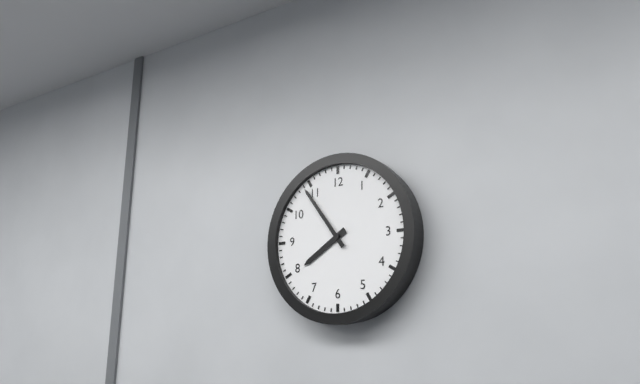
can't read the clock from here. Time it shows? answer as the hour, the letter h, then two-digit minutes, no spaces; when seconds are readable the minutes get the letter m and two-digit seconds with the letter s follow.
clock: 7h54
